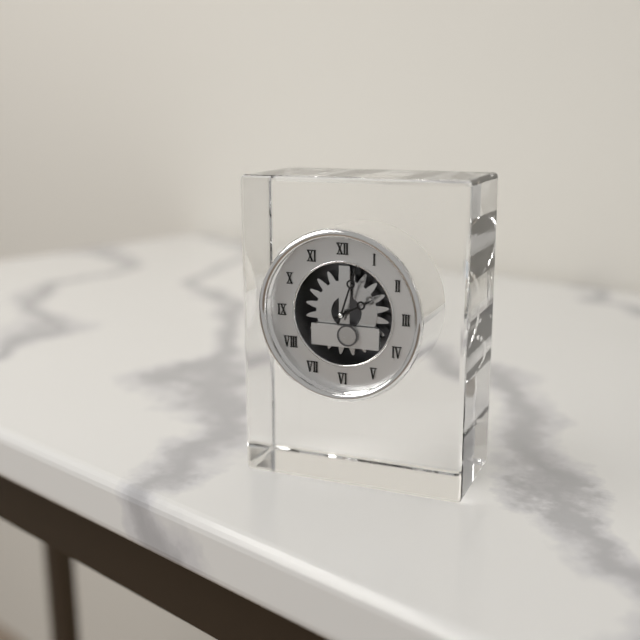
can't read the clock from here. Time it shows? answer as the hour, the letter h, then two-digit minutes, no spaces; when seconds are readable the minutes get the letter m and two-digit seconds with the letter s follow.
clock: 2h03
